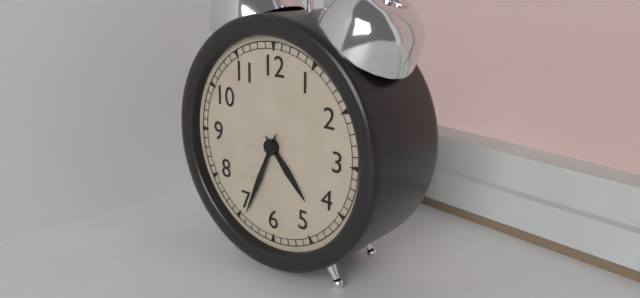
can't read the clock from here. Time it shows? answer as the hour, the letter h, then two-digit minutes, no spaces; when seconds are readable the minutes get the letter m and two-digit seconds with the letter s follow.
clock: 4h34
